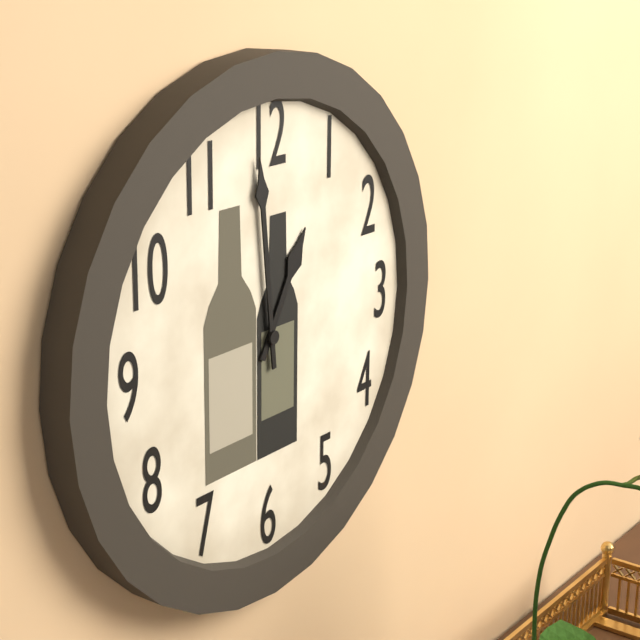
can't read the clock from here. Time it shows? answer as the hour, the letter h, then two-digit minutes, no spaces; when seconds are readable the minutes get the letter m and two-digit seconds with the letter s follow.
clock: 12h59
